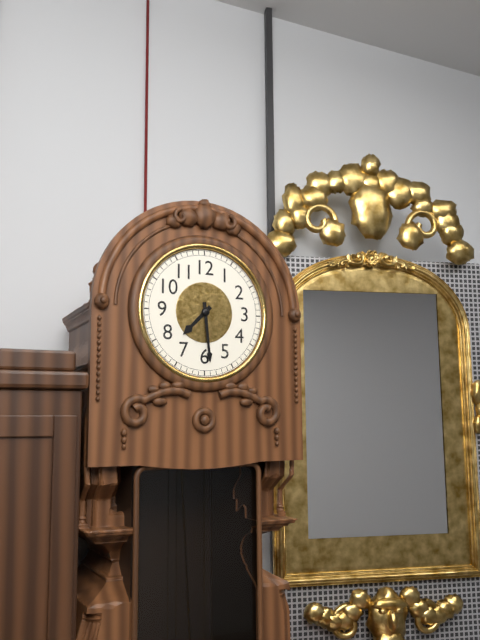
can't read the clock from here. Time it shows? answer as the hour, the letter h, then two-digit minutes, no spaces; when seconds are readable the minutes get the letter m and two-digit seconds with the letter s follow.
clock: 7h29
